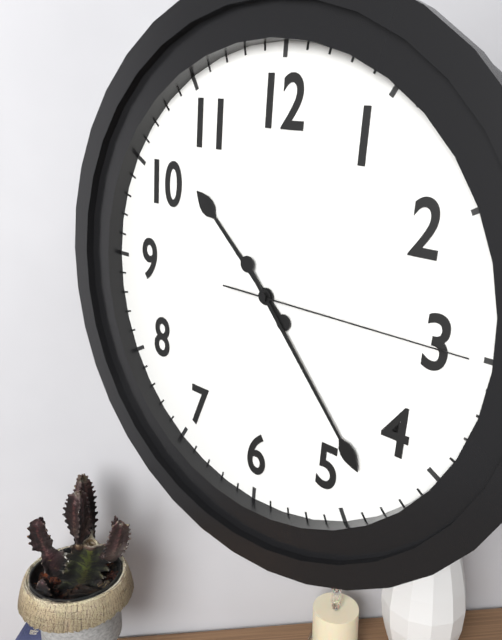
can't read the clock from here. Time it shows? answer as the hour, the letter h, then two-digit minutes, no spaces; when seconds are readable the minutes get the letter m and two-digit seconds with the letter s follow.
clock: 10h23m15s
